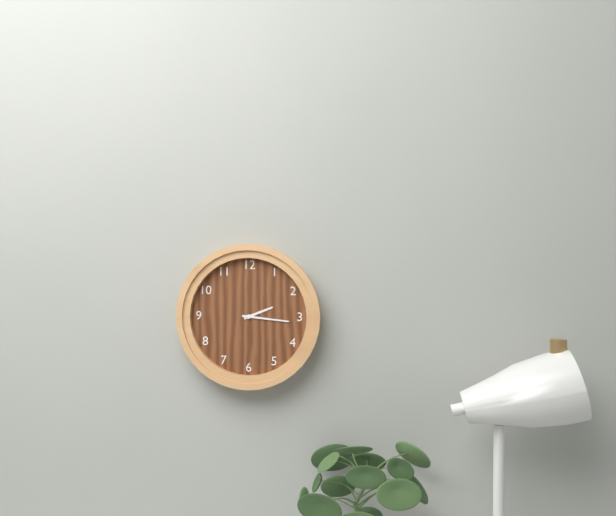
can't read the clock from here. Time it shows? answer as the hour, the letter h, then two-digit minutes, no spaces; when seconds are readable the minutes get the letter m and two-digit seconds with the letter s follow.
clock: 2h16
